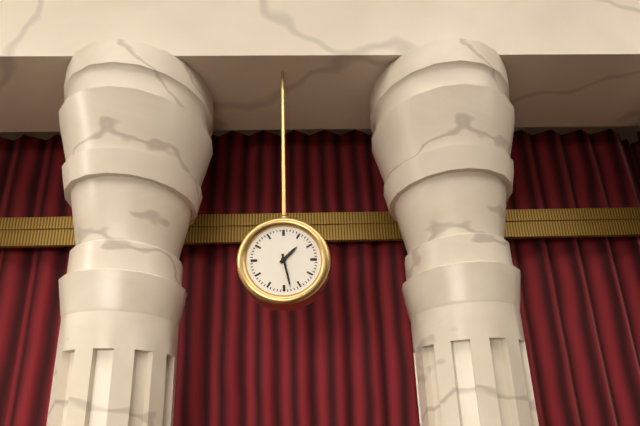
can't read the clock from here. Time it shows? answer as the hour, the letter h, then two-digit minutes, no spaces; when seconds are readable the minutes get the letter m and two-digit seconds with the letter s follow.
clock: 1h28
